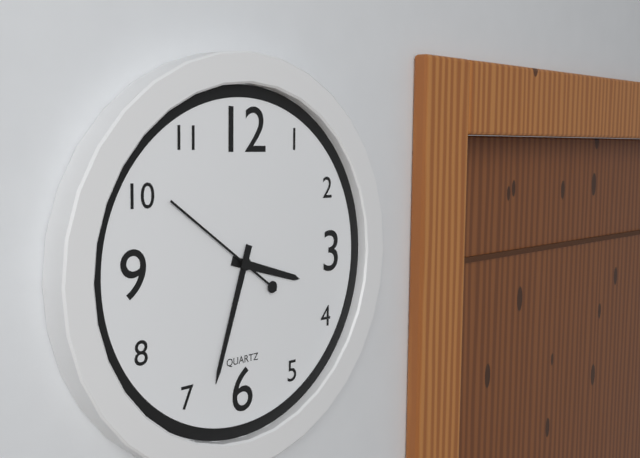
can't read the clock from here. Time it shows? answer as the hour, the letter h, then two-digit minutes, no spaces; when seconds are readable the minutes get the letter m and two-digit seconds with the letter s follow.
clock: 3h33m51s
